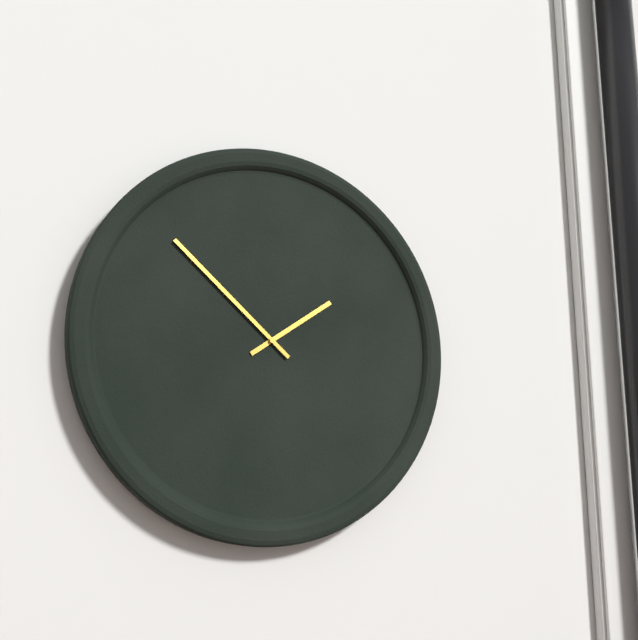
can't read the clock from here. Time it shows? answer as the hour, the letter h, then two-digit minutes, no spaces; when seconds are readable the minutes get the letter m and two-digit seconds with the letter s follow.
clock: 1h52
